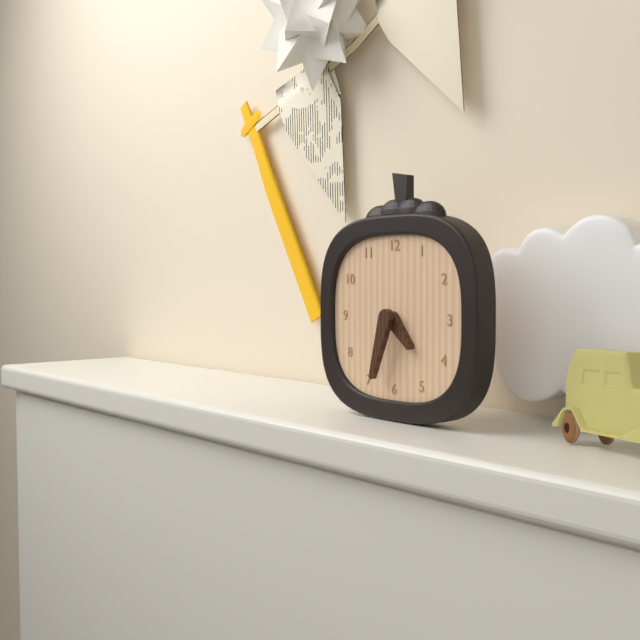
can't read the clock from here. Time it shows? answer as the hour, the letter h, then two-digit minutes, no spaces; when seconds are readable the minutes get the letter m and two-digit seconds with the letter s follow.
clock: 4h33
